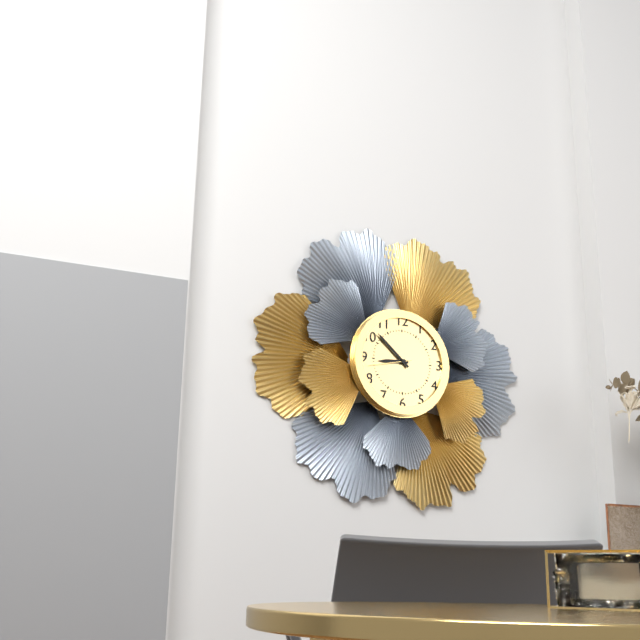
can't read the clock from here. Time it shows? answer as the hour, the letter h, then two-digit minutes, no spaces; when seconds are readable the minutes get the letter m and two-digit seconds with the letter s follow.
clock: 8h52
